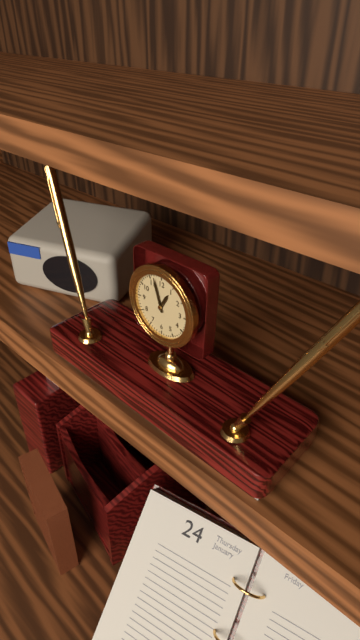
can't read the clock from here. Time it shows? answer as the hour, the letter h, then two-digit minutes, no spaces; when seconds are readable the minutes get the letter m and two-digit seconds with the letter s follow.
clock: 12h57
